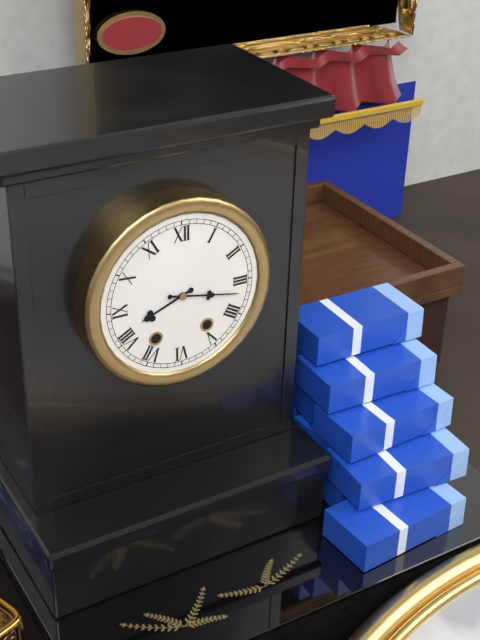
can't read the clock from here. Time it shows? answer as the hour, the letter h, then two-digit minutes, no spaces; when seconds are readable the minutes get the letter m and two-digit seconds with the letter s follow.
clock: 8h17
